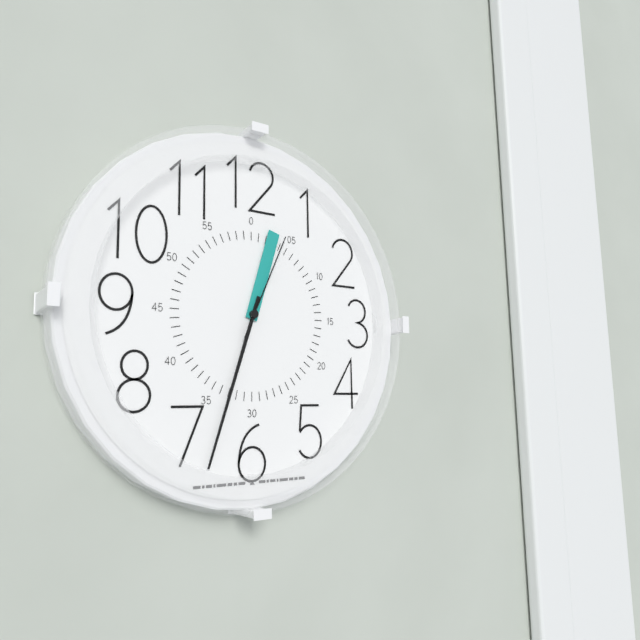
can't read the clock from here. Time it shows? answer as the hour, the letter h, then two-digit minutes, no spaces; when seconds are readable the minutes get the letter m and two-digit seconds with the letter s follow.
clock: 12h33m04s
